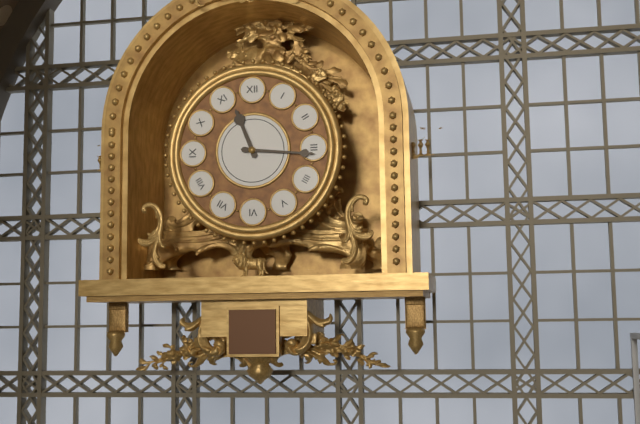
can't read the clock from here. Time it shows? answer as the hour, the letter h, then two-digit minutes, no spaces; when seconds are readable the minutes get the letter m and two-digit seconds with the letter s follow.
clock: 11h16
